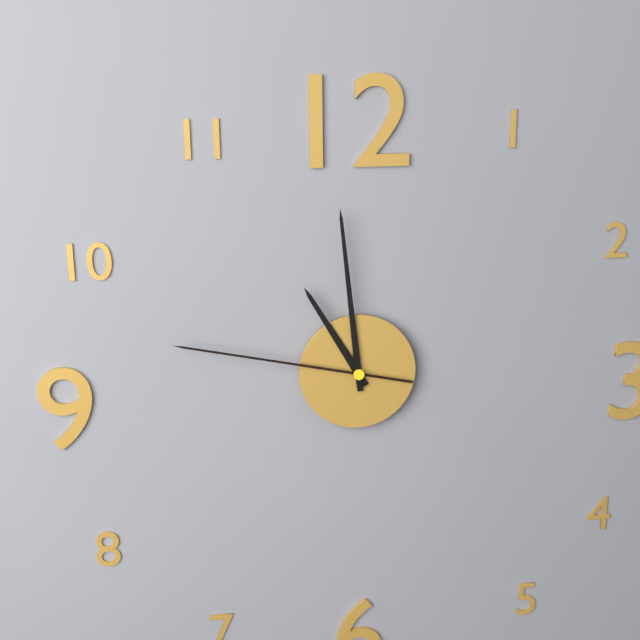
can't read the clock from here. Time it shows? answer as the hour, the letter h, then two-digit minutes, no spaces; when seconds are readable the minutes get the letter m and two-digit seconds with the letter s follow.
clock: 10h59m47s
